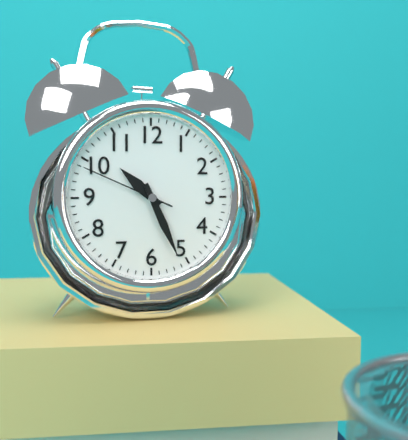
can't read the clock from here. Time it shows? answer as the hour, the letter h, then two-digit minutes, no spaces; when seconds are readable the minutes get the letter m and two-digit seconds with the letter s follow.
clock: 10h26m49s
